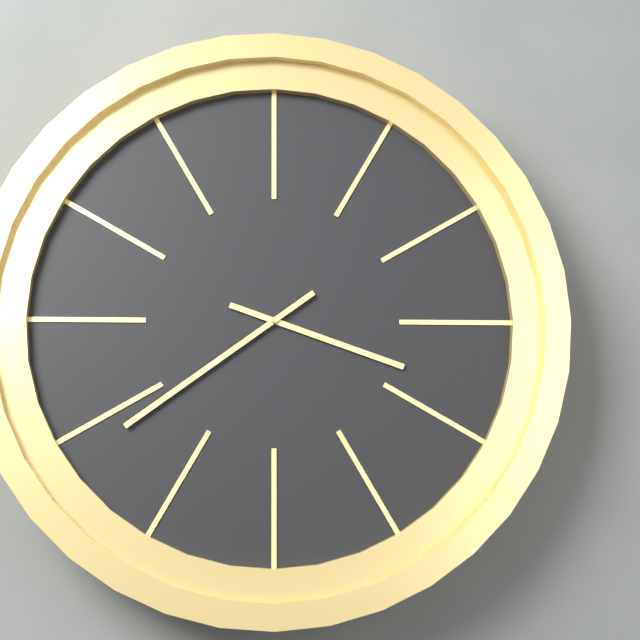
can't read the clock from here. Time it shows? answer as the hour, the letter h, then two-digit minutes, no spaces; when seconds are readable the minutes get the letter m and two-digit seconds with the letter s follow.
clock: 3h39
